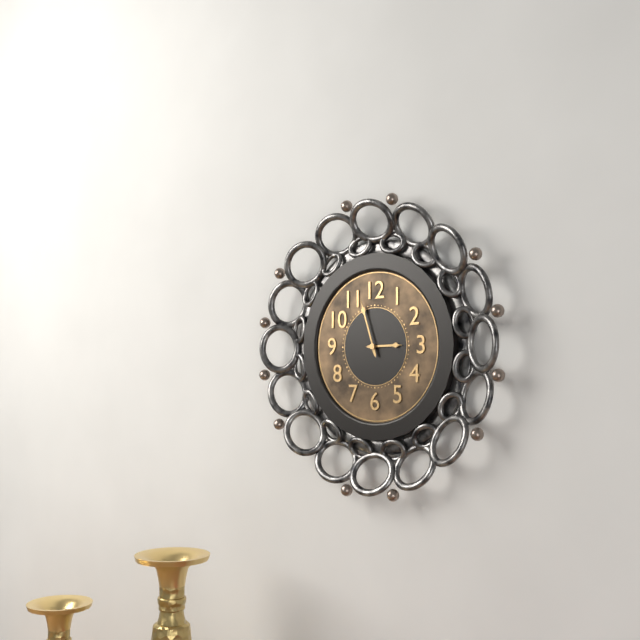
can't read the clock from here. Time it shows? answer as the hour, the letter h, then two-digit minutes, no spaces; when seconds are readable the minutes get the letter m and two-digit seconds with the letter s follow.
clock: 2h57
